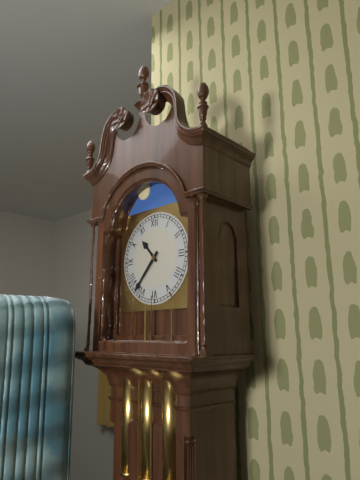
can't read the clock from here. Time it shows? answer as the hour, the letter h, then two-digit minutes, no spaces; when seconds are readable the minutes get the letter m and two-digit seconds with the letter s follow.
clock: 10h37
